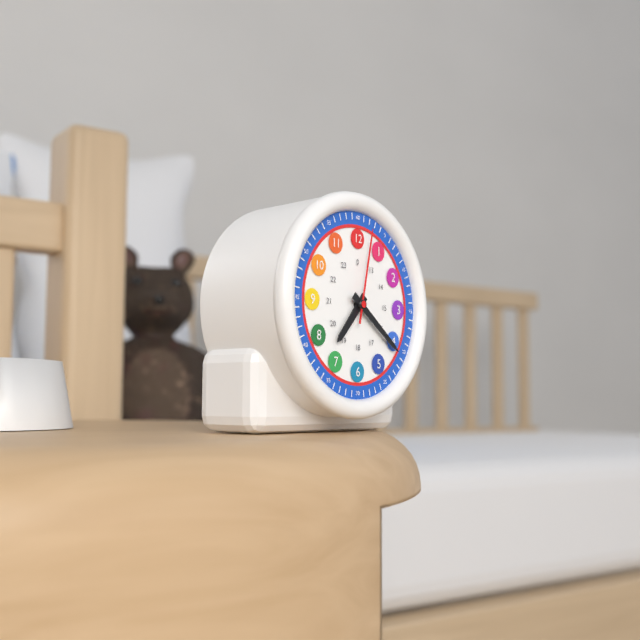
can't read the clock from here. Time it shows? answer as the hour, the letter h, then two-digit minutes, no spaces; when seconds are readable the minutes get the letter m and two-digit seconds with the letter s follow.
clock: 7h21m02s
